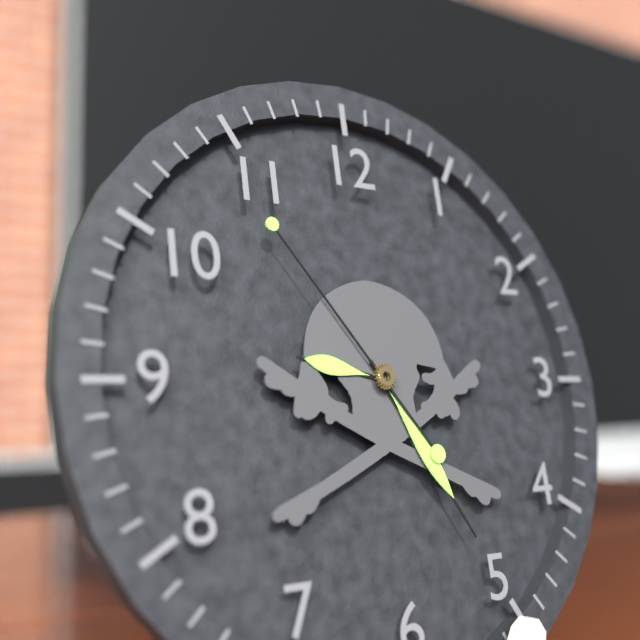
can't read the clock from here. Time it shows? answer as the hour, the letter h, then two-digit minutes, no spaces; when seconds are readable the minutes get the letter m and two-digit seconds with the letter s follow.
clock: 9h25m54s
